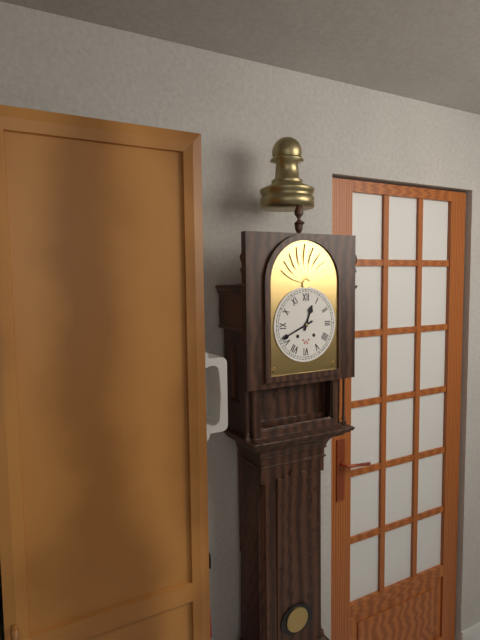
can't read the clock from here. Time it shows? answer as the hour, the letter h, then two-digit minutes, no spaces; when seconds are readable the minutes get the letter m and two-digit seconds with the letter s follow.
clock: 12h41
